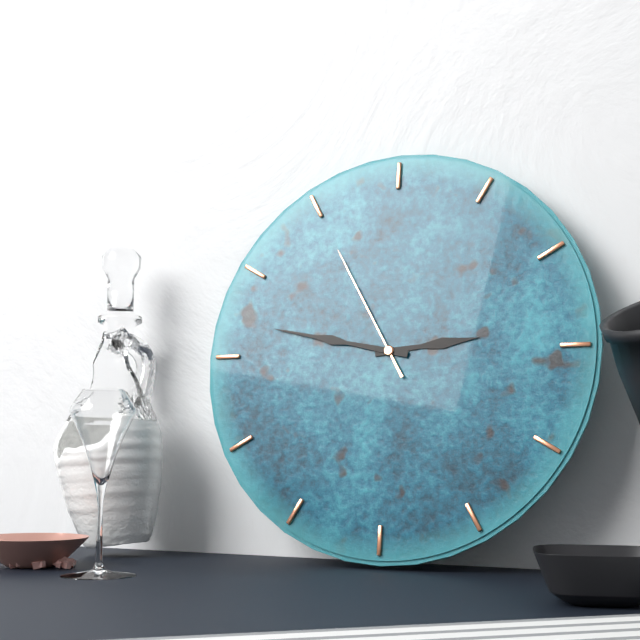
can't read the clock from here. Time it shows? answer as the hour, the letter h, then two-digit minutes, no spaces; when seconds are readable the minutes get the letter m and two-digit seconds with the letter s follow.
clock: 2h47m55s
